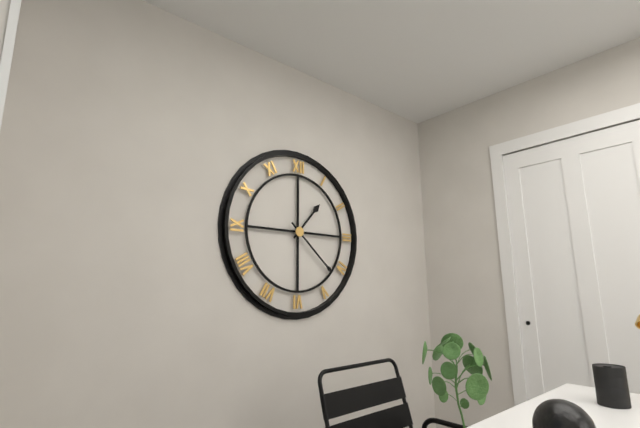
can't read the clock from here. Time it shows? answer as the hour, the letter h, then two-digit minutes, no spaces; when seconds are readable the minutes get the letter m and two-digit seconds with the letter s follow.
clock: 1h22
